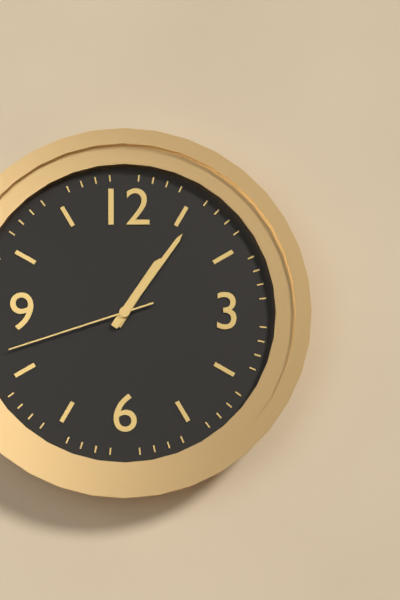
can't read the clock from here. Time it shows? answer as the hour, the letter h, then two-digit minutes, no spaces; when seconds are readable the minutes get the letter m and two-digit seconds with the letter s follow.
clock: 1h06m42s
